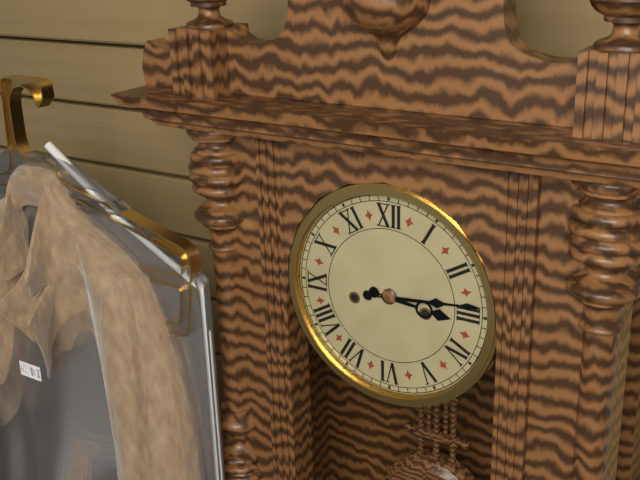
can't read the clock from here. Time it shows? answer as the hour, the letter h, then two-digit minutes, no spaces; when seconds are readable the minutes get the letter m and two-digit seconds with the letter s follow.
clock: 3h14
